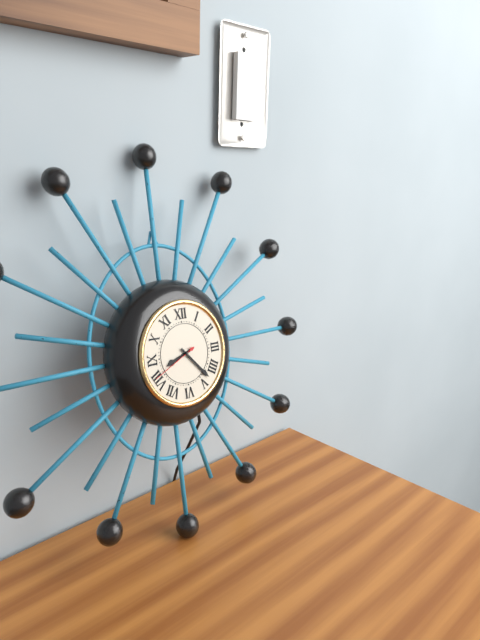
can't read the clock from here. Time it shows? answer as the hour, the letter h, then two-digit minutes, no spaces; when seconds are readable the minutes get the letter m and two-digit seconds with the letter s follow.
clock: 8h23
